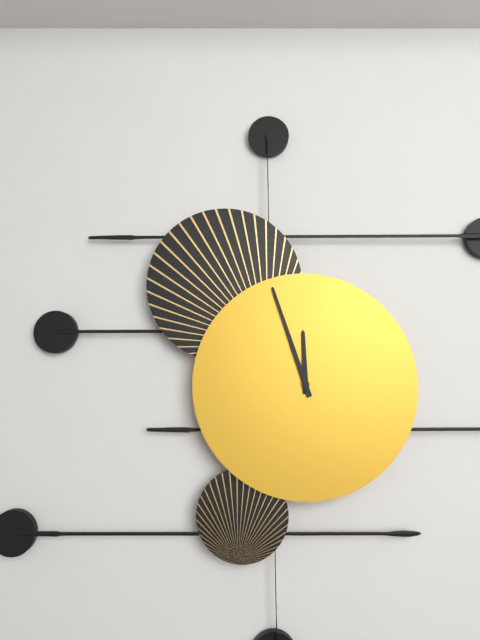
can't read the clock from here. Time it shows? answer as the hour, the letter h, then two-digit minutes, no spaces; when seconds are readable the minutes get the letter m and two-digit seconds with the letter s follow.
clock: 11h57
